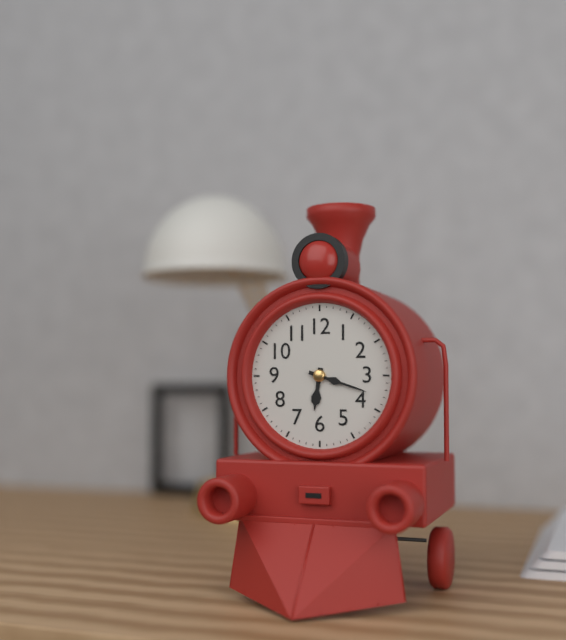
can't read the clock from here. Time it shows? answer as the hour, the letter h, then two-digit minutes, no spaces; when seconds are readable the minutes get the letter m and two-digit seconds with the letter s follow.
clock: 6h18
